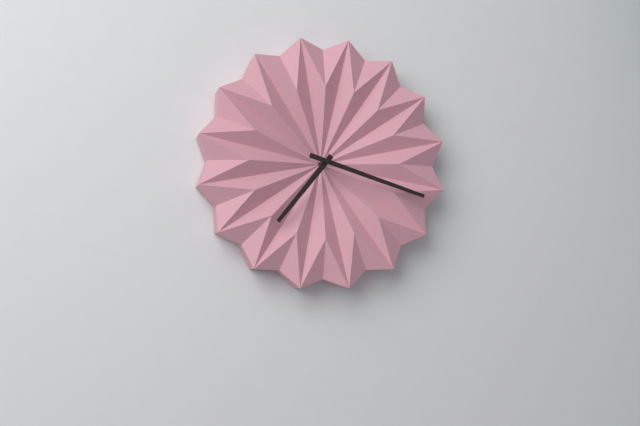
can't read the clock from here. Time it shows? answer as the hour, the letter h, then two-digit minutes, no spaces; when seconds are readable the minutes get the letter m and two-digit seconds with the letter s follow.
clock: 7h18
